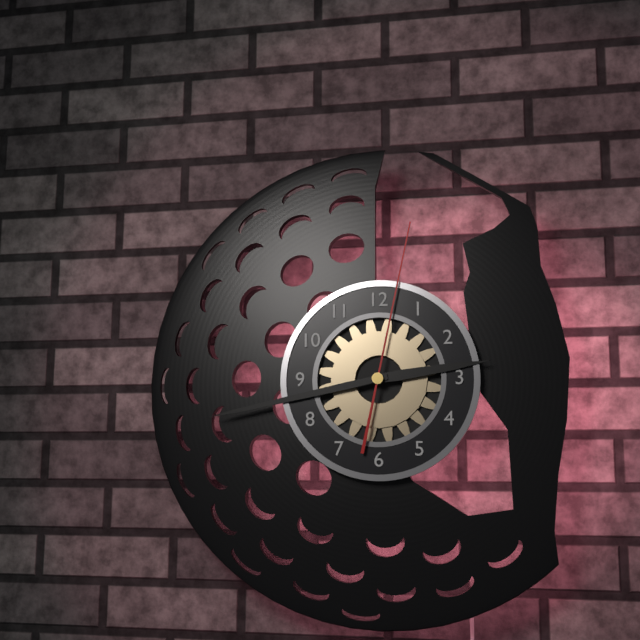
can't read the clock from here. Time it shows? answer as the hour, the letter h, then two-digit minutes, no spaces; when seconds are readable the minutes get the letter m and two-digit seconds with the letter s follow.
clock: 2h43m02s
